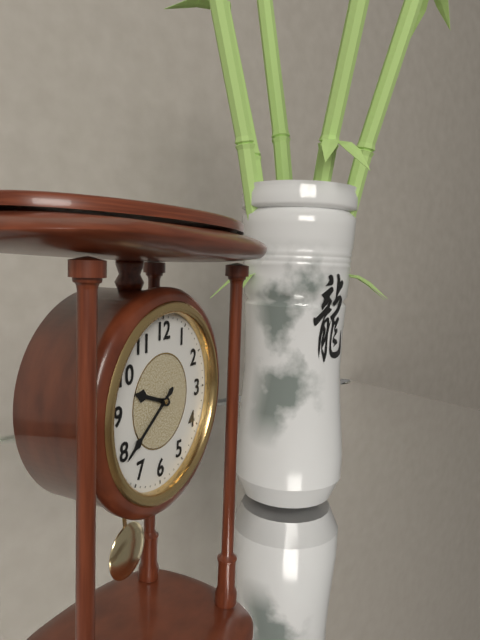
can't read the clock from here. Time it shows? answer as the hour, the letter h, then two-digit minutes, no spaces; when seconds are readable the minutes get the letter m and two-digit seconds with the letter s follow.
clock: 9h39
